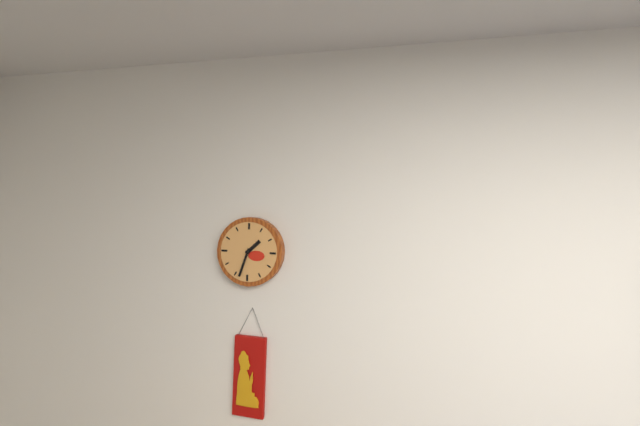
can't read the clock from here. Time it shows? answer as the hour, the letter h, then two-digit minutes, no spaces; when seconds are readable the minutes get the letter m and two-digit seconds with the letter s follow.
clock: 1h33
